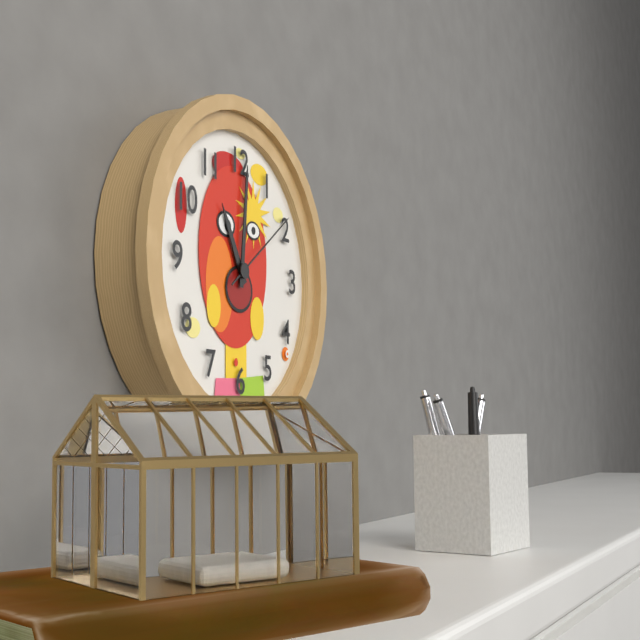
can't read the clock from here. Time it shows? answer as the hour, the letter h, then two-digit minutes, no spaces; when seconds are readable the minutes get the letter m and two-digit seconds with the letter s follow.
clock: 11h01m09s
